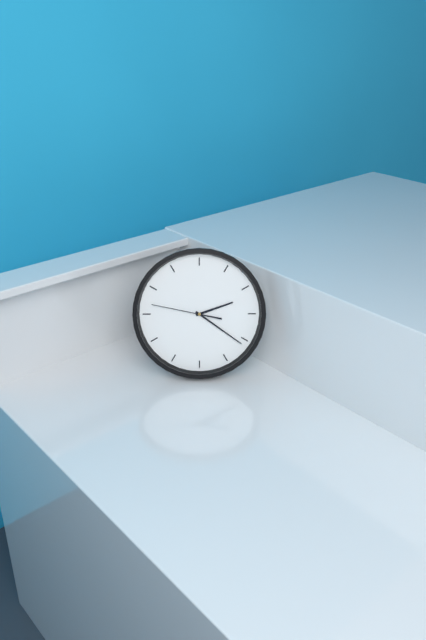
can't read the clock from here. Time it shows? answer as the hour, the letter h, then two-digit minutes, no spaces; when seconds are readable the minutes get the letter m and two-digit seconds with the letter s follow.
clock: 2h21m47s
